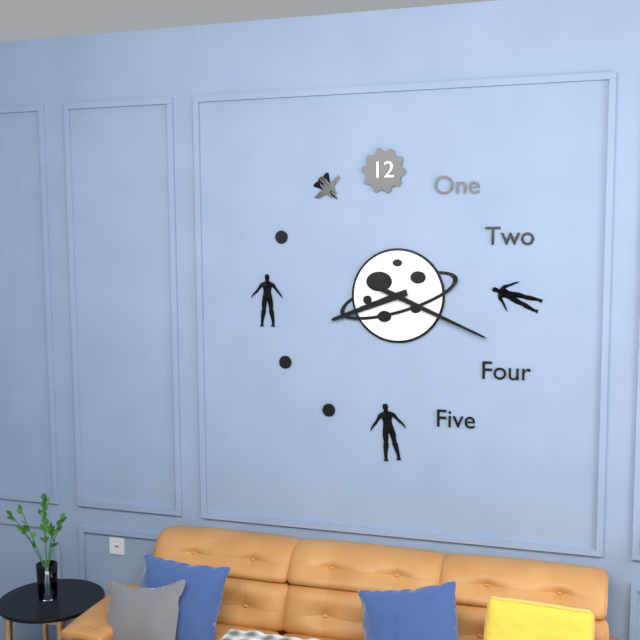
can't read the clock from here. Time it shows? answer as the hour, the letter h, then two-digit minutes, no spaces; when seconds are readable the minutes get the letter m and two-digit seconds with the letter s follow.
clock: 8h19
